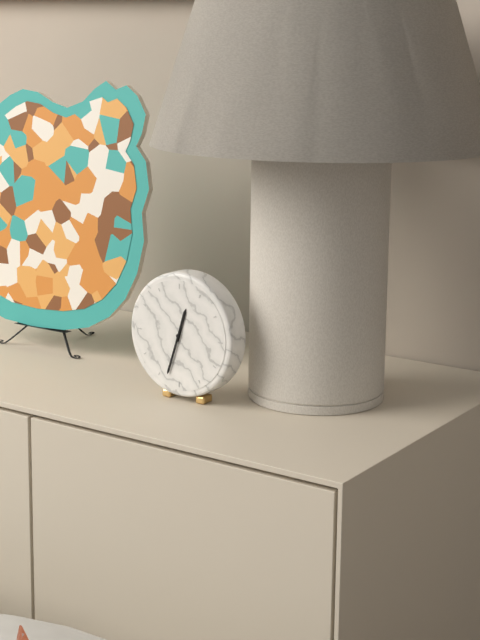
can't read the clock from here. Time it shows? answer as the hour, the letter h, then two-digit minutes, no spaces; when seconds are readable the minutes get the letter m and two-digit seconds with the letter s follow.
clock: 12h33
